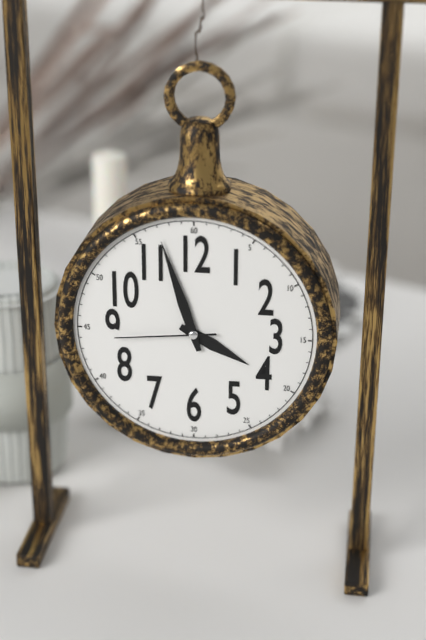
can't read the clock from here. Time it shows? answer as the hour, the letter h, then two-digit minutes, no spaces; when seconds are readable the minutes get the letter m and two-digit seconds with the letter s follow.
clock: 3h57m44s
